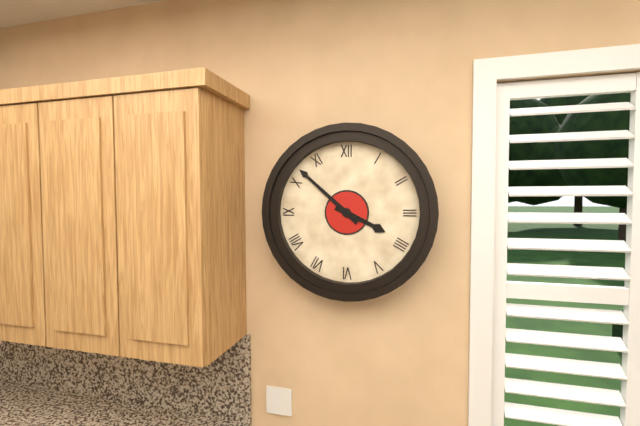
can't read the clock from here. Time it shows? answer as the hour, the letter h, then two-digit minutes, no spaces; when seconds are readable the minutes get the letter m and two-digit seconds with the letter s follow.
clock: 3h52
